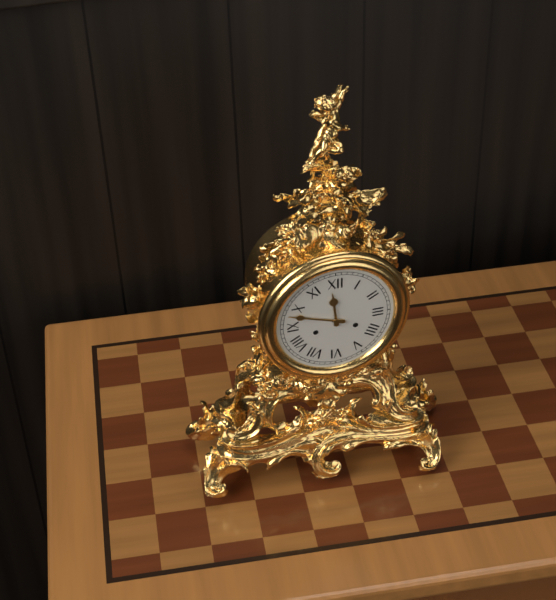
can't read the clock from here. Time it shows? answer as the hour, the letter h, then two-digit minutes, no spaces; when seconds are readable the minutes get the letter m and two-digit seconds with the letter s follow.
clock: 11h48
